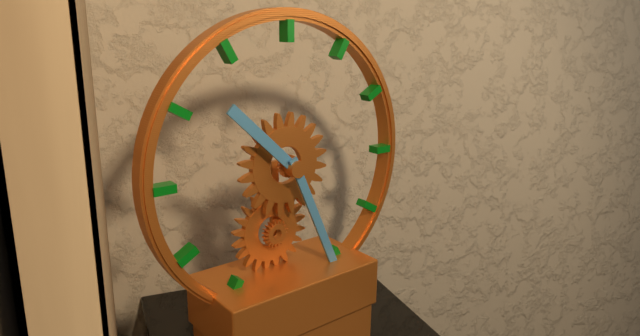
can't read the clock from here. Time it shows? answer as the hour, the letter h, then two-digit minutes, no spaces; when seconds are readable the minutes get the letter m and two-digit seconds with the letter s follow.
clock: 10h26
